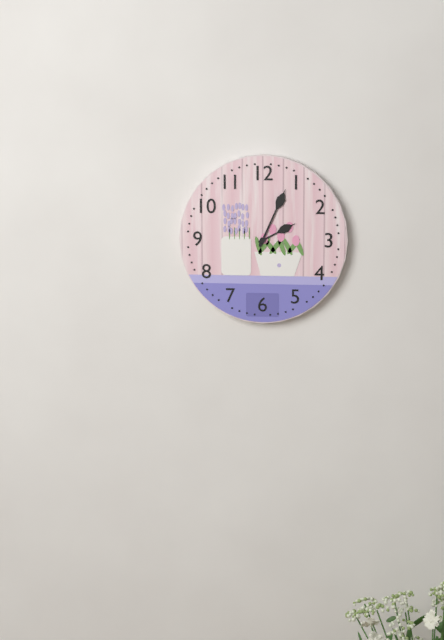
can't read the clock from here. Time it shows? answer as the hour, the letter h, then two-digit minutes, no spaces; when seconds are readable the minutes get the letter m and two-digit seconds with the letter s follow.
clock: 2h04
